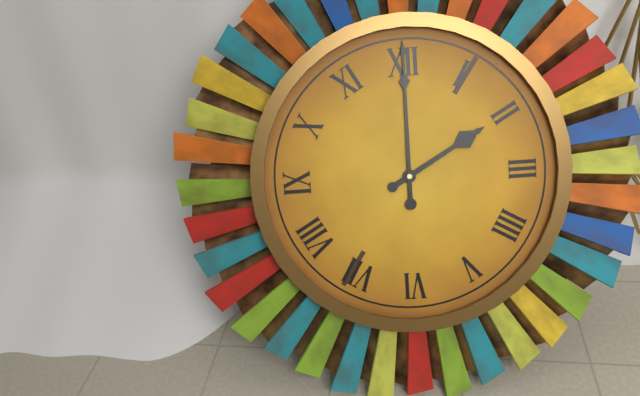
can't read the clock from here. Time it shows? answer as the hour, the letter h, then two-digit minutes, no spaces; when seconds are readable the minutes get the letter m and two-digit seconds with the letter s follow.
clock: 2h00
